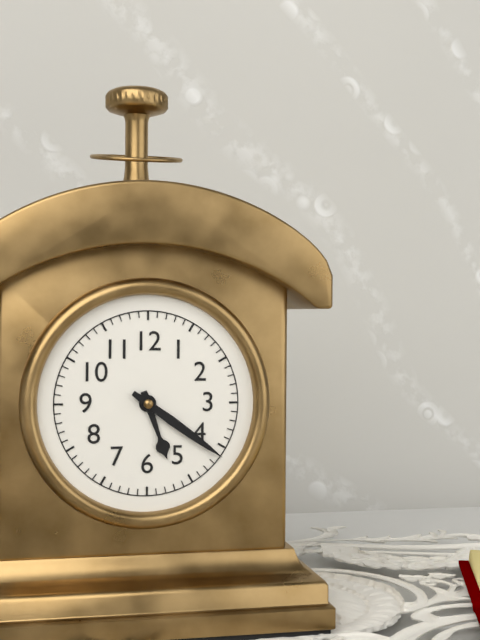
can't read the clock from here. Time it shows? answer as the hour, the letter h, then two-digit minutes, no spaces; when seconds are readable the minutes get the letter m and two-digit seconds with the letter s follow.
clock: 5h21
